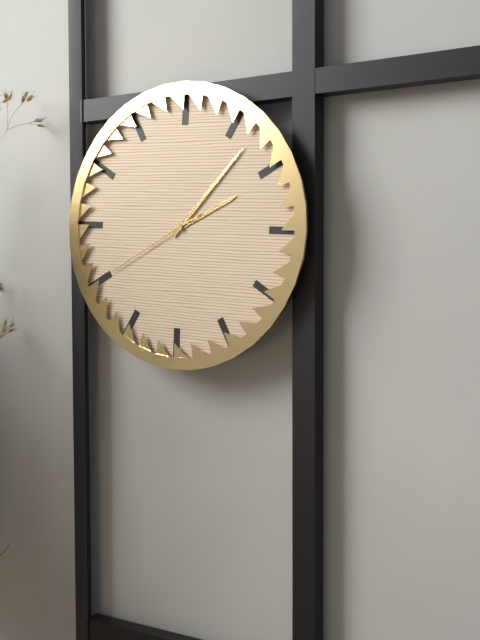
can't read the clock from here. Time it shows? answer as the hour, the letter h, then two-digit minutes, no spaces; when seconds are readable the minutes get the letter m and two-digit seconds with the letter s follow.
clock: 2h07m40s
